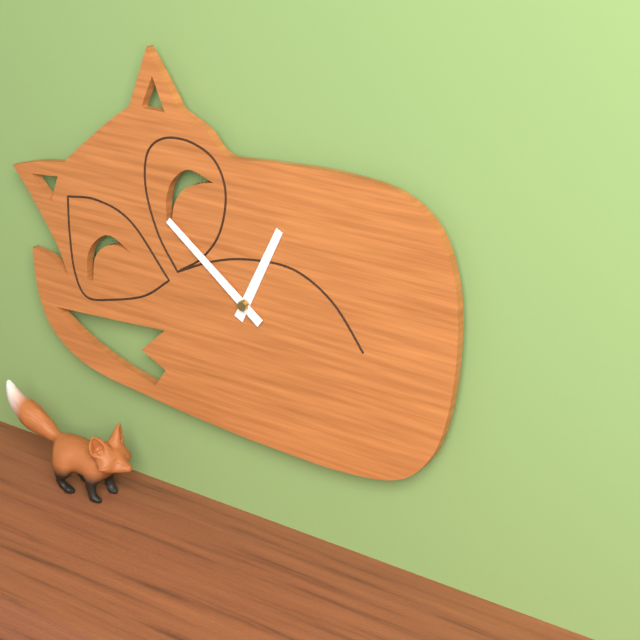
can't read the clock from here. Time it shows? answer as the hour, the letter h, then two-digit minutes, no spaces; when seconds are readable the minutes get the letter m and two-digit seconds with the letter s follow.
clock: 12h51
